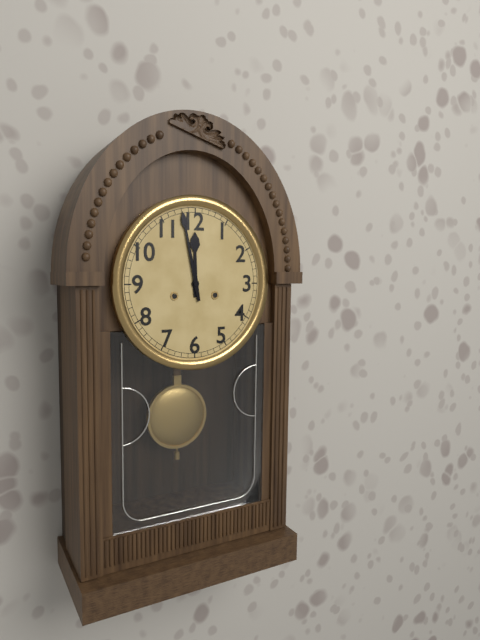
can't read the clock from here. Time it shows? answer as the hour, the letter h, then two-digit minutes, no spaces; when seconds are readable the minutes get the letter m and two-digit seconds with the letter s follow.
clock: 11h58
